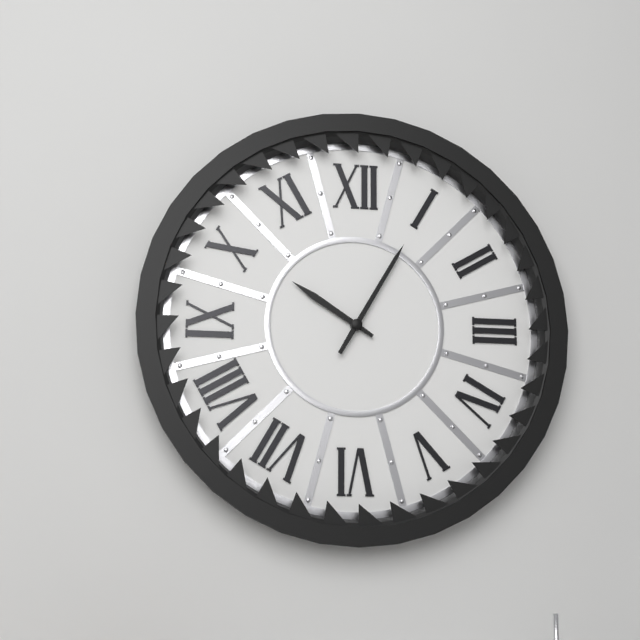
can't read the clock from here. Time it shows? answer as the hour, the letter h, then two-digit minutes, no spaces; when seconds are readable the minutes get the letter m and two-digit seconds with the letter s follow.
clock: 10h05
